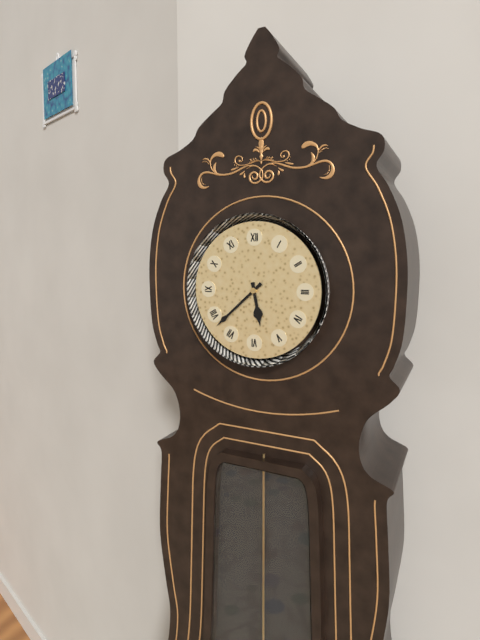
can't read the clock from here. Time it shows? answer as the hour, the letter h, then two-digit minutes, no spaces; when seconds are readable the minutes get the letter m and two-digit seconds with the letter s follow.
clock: 5h38
